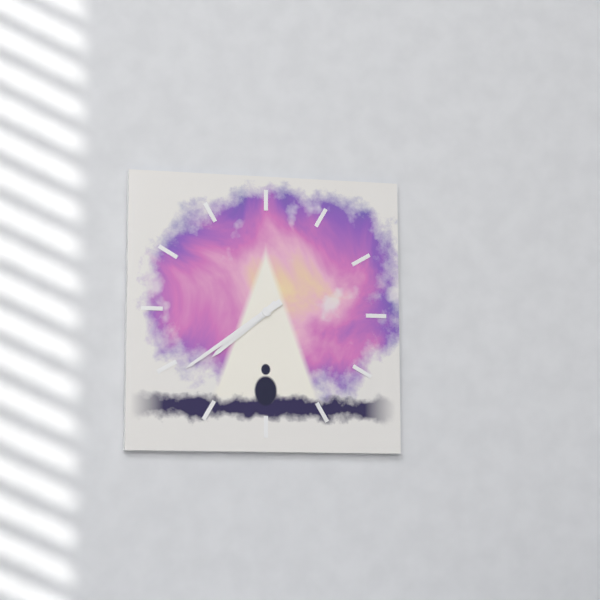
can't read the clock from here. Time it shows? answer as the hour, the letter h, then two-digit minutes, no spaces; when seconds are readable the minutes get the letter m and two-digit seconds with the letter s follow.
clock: 7h39
